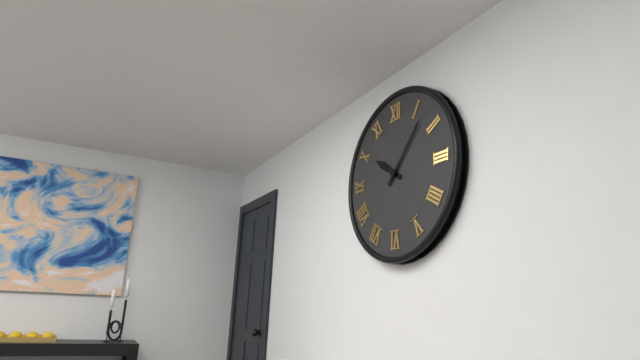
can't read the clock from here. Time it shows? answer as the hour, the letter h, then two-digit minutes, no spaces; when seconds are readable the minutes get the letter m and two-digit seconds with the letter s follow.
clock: 10h07
